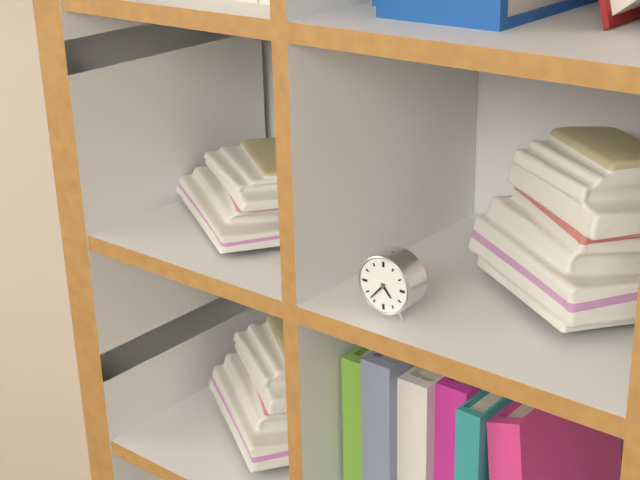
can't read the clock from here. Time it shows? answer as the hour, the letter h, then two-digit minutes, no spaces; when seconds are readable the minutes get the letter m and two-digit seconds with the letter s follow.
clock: 4h37
